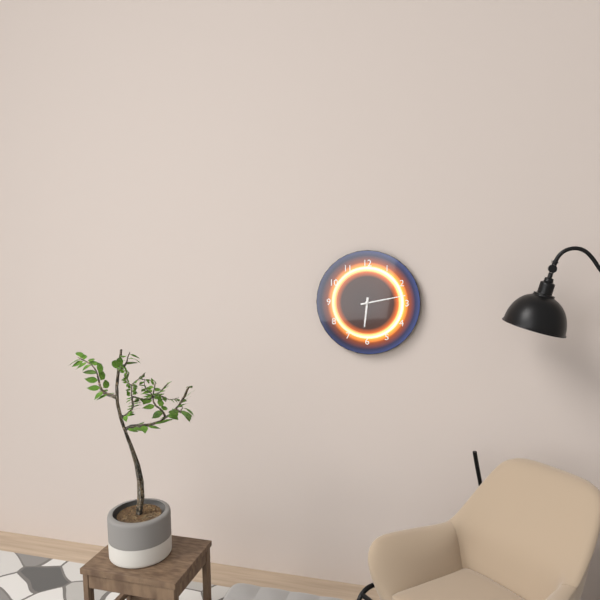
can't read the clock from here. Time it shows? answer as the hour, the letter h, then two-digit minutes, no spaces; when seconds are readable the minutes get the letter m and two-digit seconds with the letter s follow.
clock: 6h13
